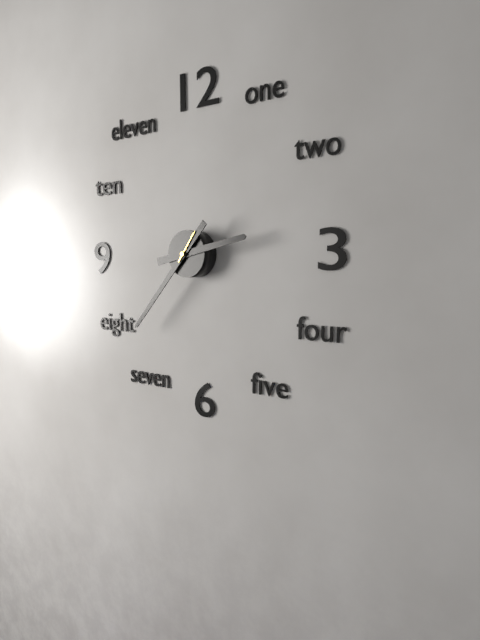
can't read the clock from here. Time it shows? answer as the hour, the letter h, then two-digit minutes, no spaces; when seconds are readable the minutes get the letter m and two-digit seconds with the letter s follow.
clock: 2h37
